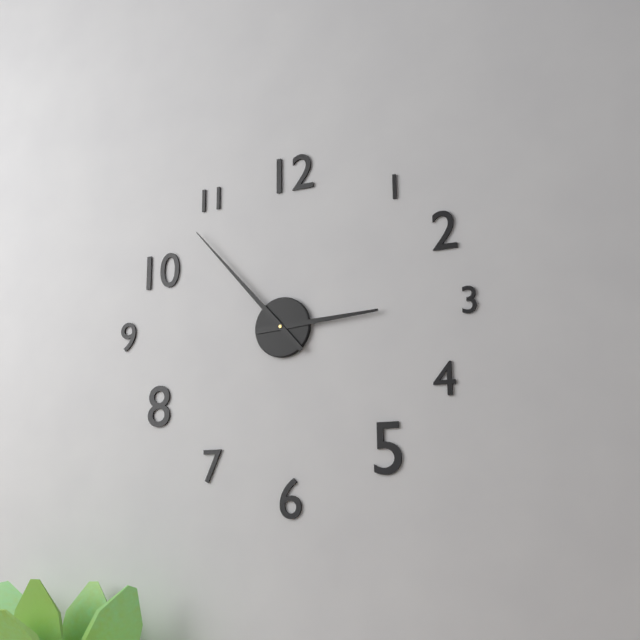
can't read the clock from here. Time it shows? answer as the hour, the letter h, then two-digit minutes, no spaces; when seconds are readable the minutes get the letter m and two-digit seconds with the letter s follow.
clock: 2h53
